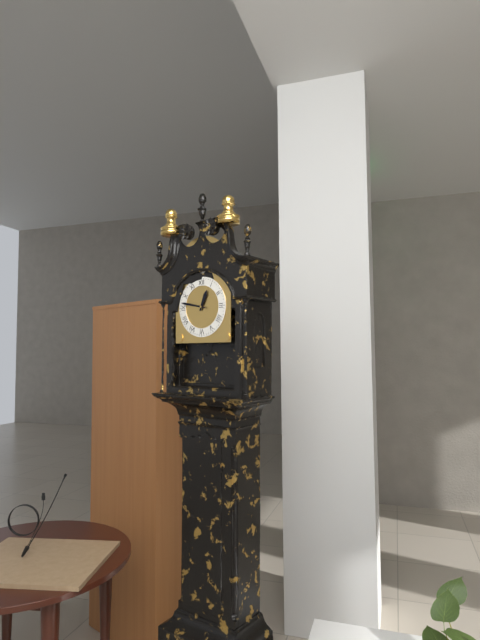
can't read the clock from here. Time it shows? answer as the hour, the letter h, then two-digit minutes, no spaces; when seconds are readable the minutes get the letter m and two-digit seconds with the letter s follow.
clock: 12h47
